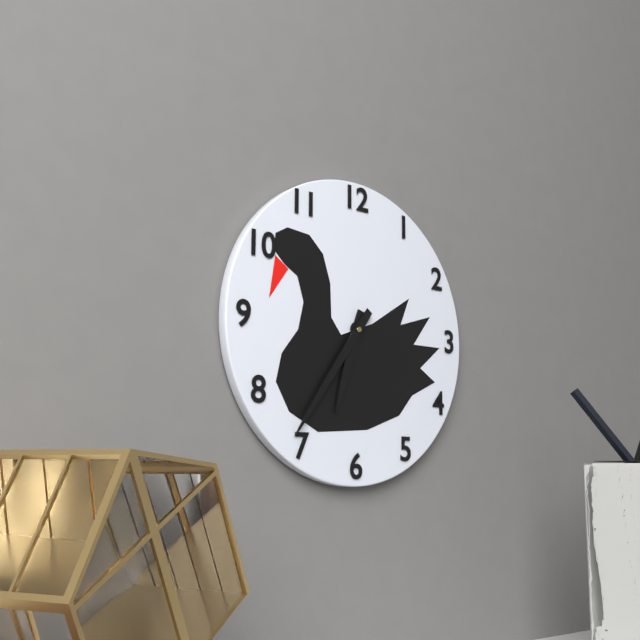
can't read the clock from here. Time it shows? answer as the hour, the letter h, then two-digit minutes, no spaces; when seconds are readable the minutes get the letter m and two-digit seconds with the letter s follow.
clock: 6h36
